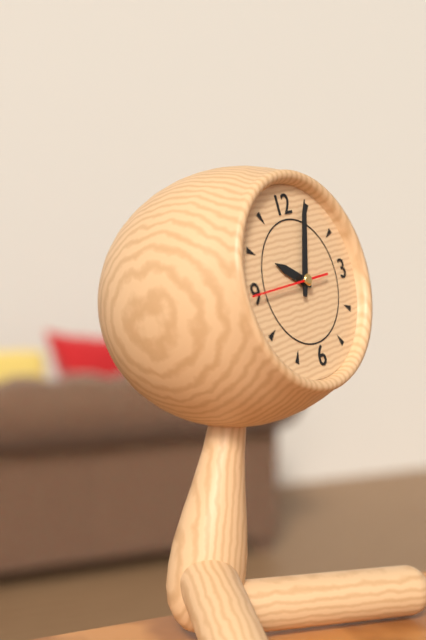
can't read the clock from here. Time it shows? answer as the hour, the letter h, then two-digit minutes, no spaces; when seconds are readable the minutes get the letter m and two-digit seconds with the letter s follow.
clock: 10h04m45s
